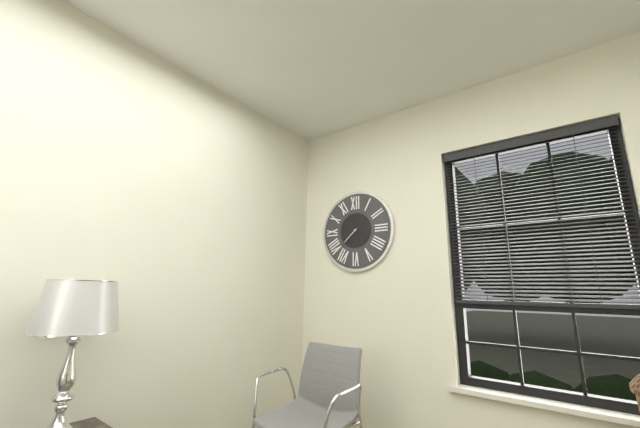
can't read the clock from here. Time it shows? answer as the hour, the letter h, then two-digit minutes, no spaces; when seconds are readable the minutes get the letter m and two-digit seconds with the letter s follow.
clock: 7h38
